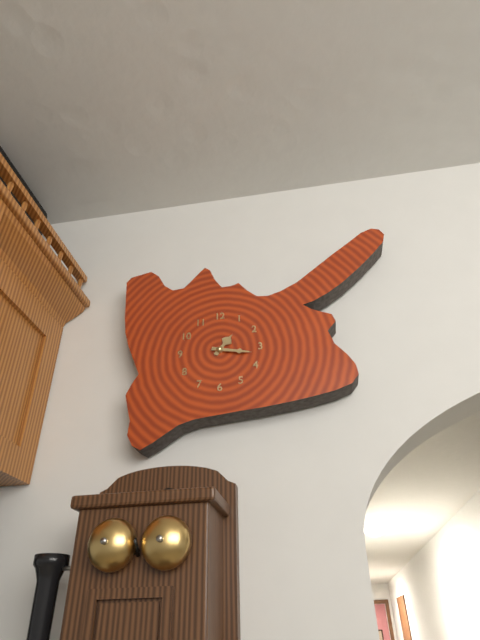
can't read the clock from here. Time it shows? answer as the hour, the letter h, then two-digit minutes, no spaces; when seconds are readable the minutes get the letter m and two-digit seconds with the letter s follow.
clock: 1h17
